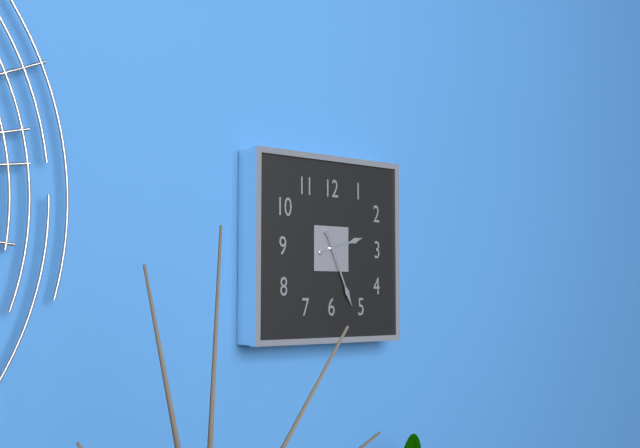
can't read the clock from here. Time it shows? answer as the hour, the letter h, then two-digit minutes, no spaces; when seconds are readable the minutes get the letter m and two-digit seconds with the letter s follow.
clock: 2h26
